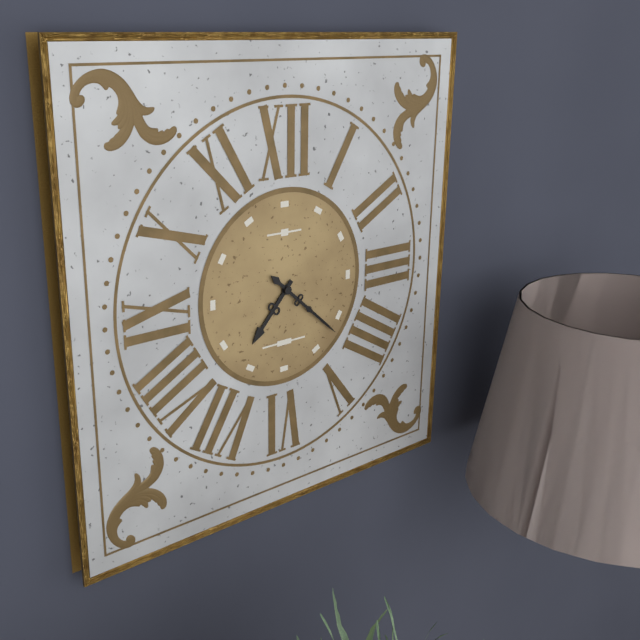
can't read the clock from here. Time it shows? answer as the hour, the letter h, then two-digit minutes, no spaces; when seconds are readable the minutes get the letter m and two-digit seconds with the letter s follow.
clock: 7h22
